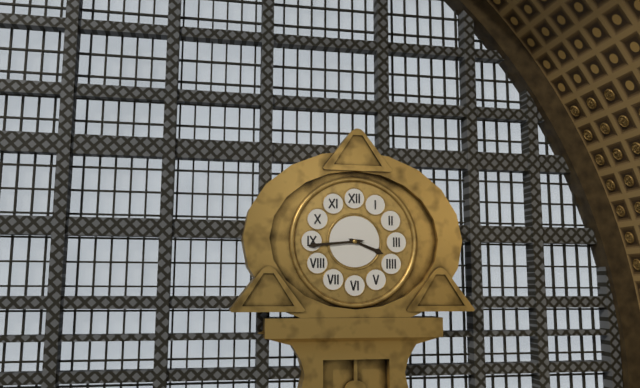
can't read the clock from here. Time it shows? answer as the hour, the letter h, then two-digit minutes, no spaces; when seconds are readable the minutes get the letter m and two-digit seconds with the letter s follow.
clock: 3h44
